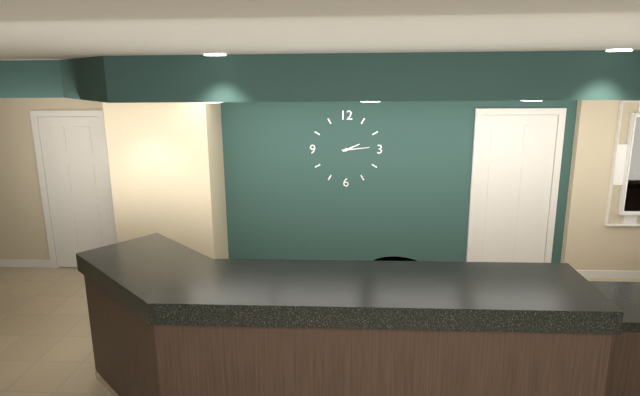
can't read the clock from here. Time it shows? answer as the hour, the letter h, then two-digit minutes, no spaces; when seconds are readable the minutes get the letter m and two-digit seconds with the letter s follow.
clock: 2h14
